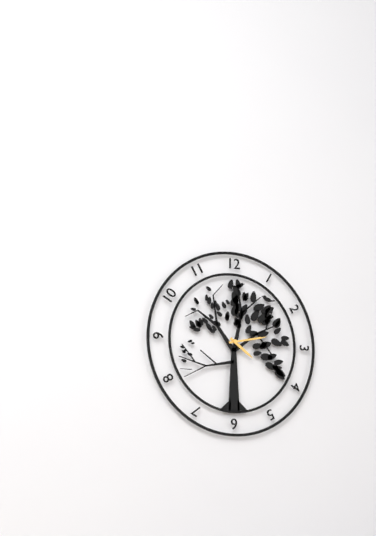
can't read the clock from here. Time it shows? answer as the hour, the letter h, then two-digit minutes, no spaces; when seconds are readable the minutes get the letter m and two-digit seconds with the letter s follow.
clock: 4h13
